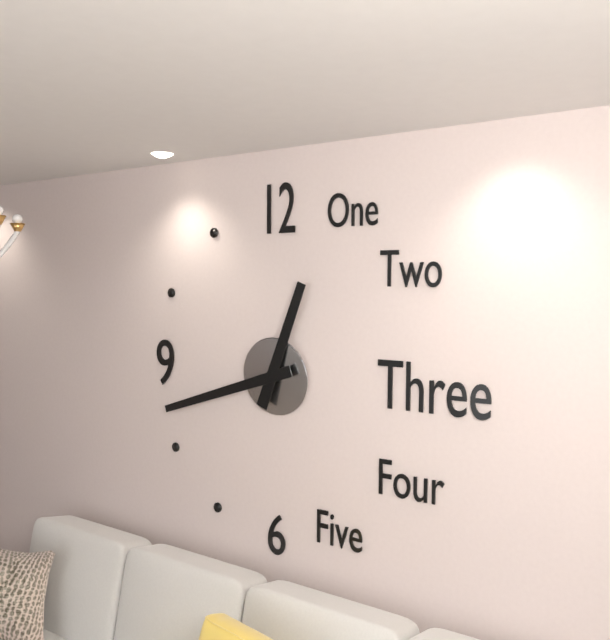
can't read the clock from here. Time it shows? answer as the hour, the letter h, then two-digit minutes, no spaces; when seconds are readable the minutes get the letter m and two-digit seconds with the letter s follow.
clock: 12h42
